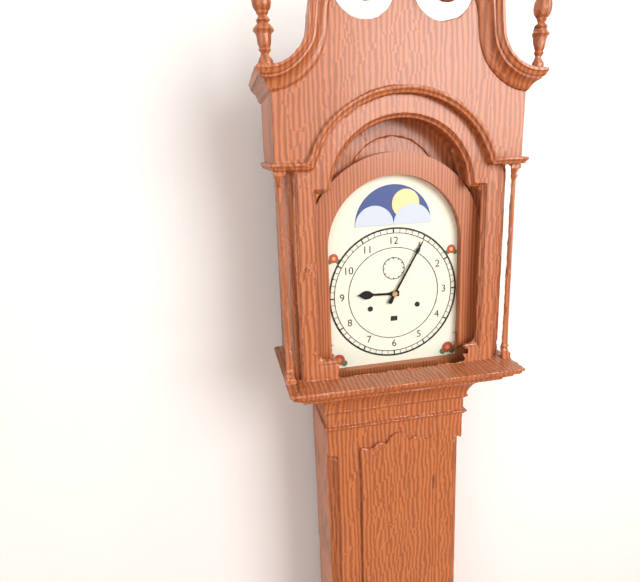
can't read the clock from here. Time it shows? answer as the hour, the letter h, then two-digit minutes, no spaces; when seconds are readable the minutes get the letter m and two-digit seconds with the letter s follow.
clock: 9h05
